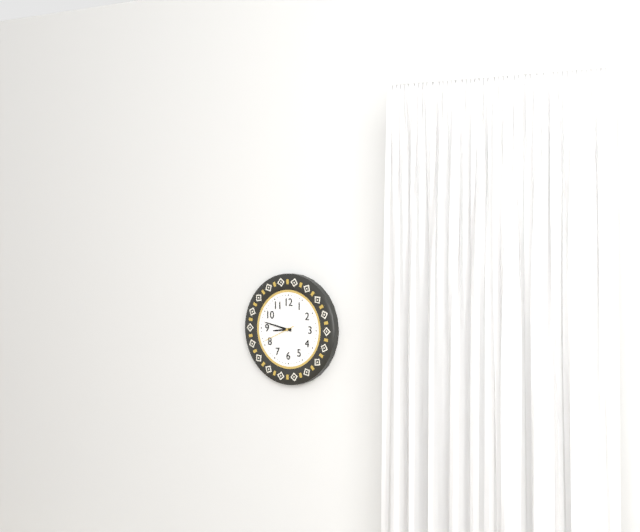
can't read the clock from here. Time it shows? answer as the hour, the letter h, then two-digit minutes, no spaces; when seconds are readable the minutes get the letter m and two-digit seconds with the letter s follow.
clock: 8h47
